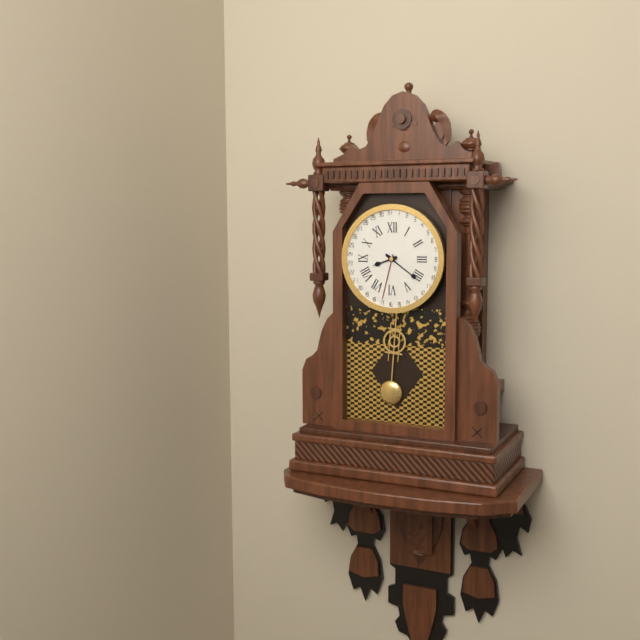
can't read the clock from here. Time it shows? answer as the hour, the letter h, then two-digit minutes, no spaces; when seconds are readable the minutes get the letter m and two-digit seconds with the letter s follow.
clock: 8h21
